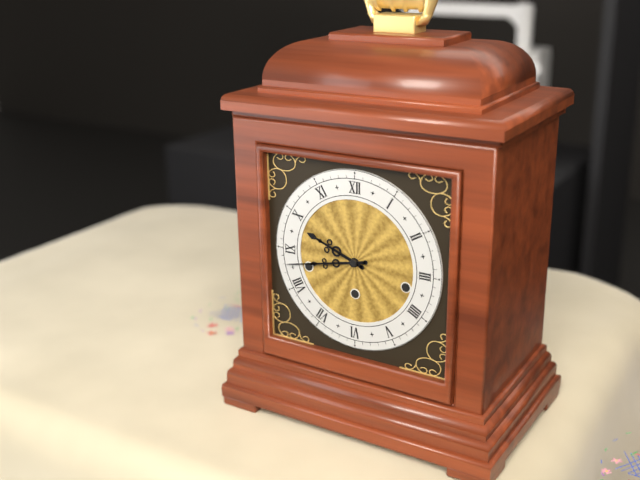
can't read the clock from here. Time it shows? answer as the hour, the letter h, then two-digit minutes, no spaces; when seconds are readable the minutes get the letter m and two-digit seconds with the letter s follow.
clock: 9h43
